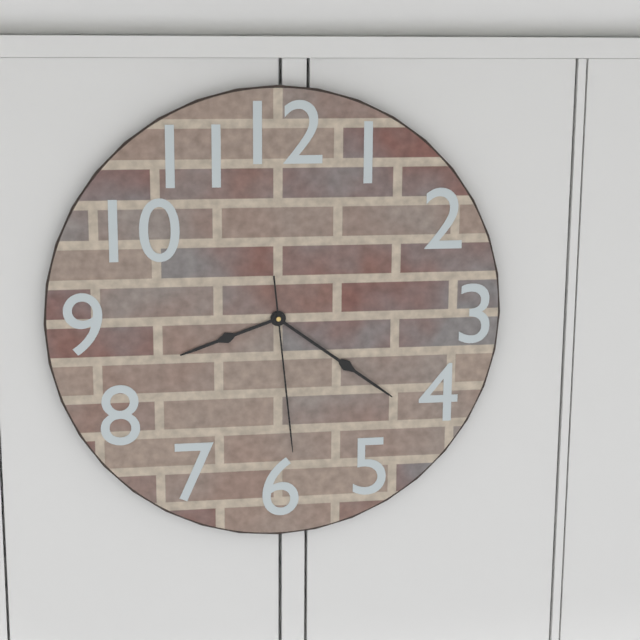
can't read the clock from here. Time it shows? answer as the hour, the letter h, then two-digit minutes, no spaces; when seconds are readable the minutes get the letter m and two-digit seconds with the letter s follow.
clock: 8h21m29s
